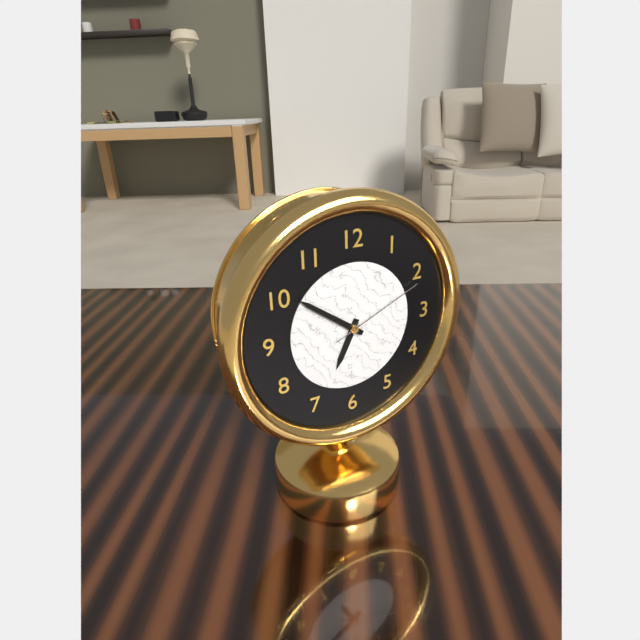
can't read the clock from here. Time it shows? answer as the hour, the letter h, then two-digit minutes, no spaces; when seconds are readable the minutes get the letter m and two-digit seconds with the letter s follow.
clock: 6h51m11s
